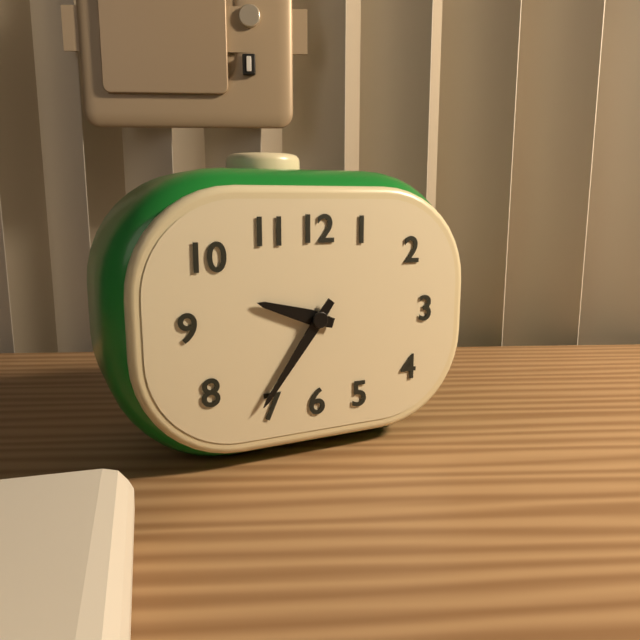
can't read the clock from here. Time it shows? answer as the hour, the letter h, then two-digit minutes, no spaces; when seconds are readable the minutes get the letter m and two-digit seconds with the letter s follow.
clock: 9h36
